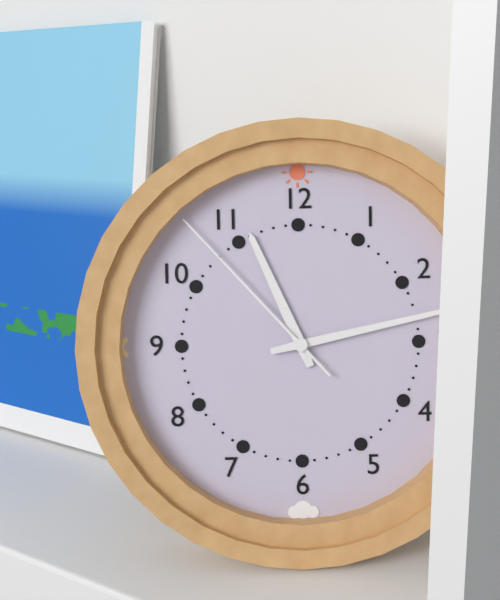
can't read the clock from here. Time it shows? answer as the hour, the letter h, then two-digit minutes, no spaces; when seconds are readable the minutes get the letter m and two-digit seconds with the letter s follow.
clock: 11h13m53s
